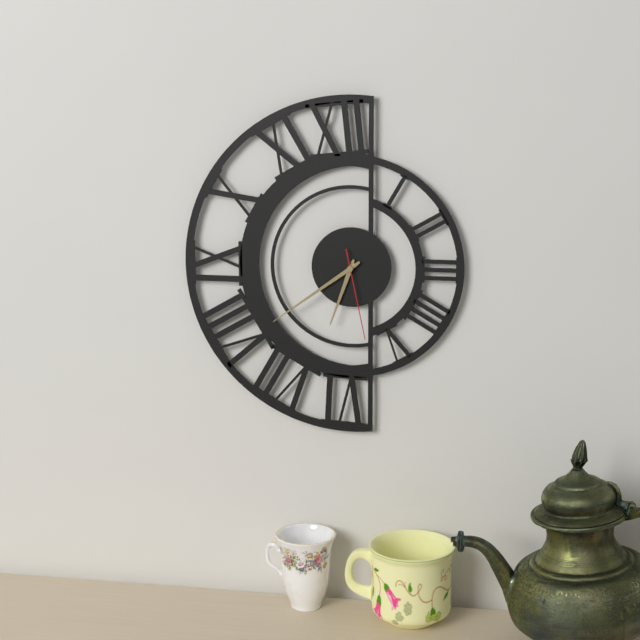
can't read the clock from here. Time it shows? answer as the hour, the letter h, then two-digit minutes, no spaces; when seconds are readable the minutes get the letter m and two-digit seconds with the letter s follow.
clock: 6h39m28s
